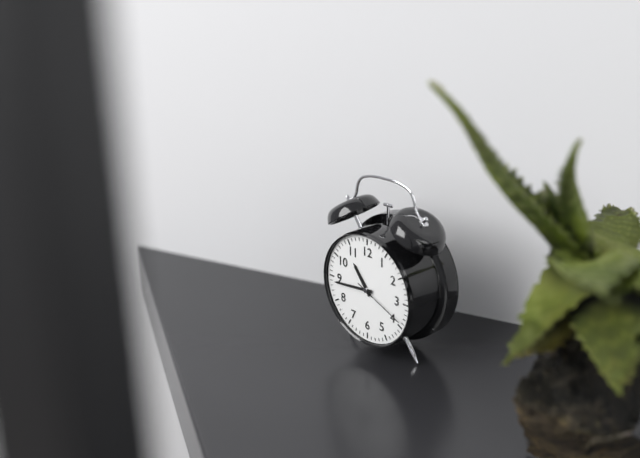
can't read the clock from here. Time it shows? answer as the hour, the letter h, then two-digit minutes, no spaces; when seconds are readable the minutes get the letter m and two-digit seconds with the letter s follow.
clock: 10h44m19s
